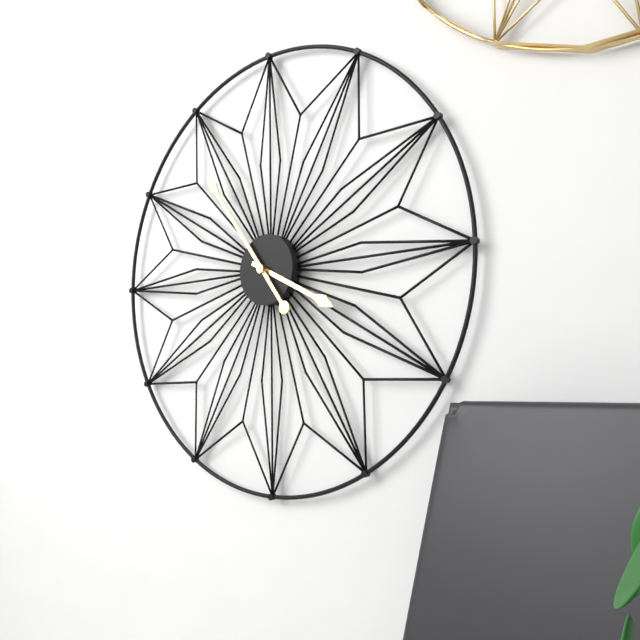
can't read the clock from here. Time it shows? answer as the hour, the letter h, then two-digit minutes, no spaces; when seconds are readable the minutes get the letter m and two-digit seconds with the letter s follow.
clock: 3h54
